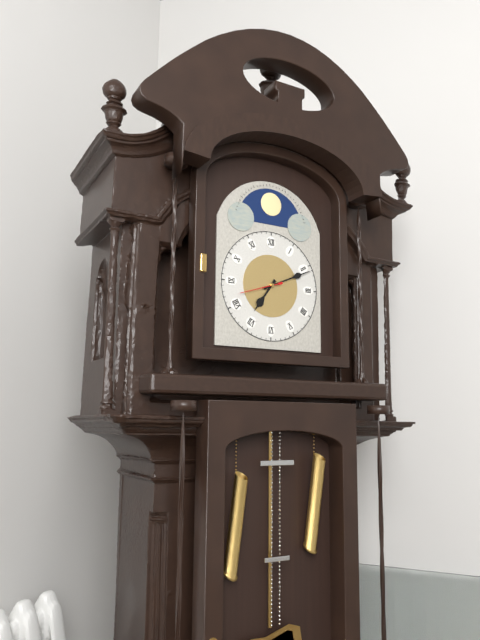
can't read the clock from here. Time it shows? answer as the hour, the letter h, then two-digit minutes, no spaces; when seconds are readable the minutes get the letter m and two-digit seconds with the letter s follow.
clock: 7h11
